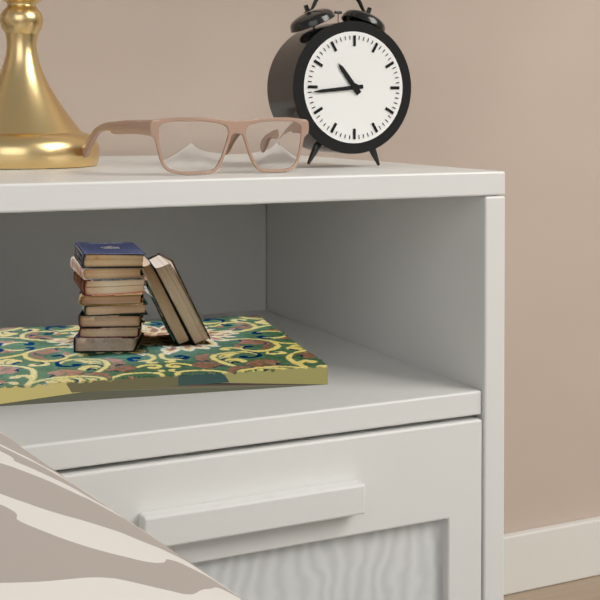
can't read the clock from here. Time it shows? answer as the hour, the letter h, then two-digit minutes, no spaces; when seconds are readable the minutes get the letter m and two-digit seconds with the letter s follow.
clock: 10h44
